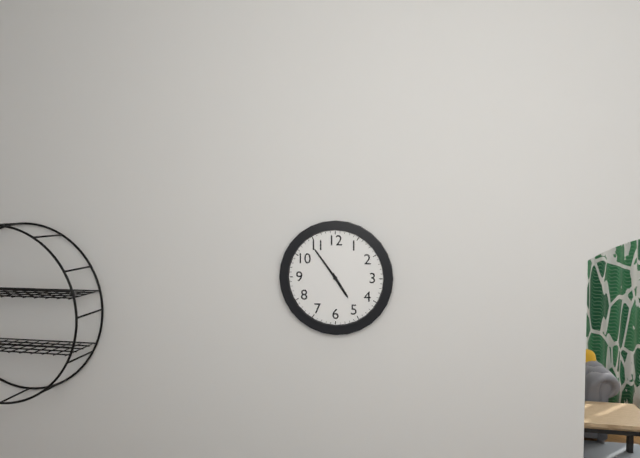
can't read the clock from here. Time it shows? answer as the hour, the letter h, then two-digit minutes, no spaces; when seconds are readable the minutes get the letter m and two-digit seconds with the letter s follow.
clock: 4h54
